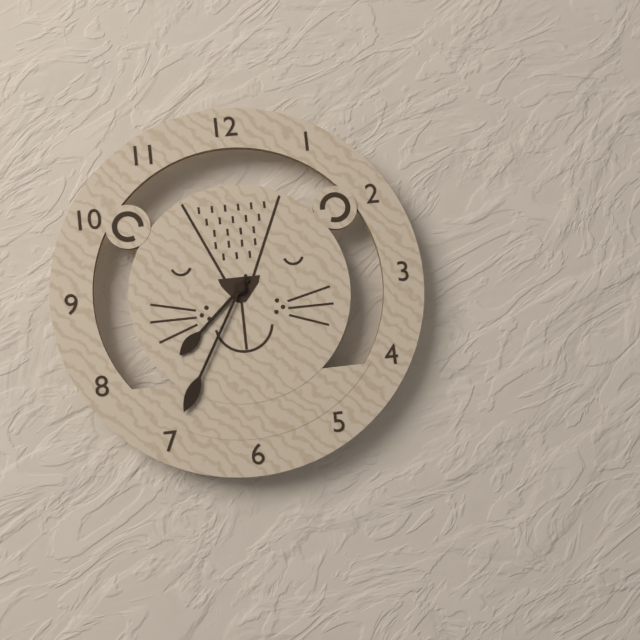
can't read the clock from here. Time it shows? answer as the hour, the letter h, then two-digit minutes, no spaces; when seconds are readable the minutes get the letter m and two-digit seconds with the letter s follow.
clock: 7h35
